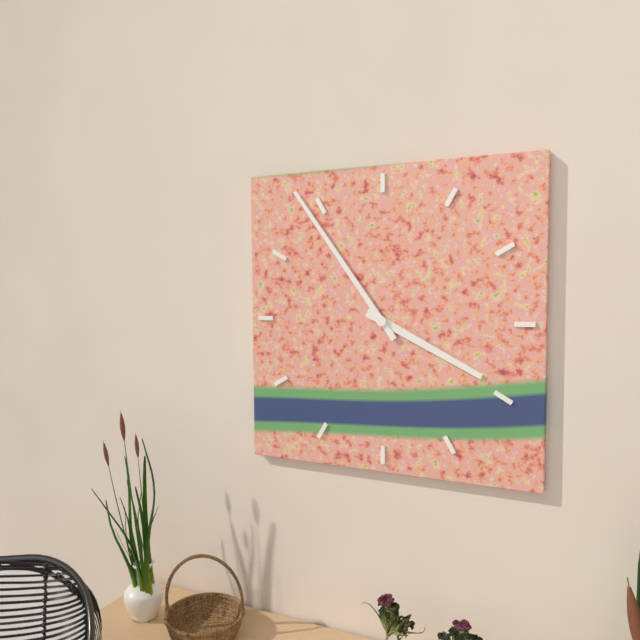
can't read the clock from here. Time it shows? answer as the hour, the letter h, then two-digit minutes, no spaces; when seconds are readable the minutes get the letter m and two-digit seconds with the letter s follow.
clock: 3h54
